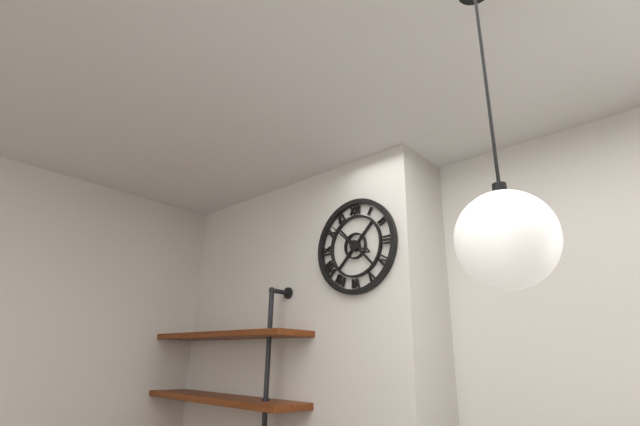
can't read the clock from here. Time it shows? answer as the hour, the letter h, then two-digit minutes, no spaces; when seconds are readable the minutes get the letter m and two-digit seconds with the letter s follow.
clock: 3h52
